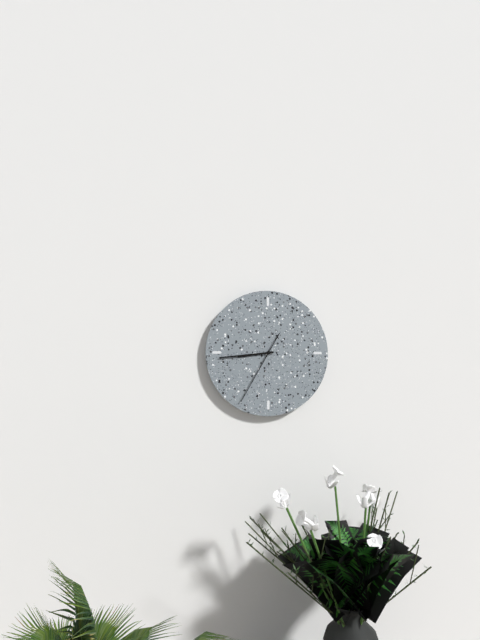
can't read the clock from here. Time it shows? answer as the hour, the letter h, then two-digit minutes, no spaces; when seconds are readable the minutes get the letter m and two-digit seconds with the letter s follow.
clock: 8h44m35s
